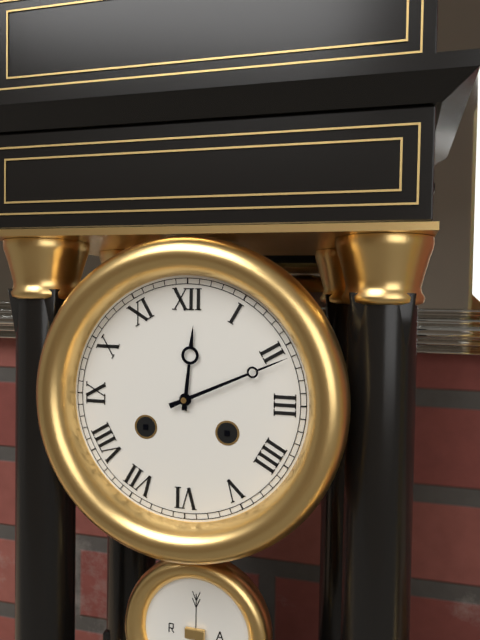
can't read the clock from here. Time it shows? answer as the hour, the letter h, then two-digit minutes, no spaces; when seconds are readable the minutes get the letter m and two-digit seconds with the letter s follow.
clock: 12h11
